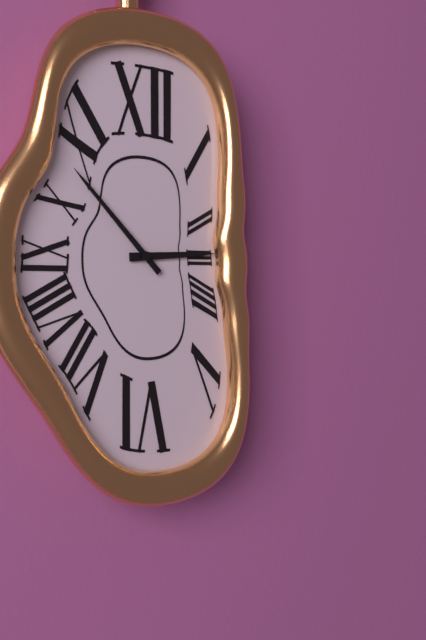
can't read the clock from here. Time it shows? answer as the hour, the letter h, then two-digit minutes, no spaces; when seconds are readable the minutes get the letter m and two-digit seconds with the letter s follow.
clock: 2h53
